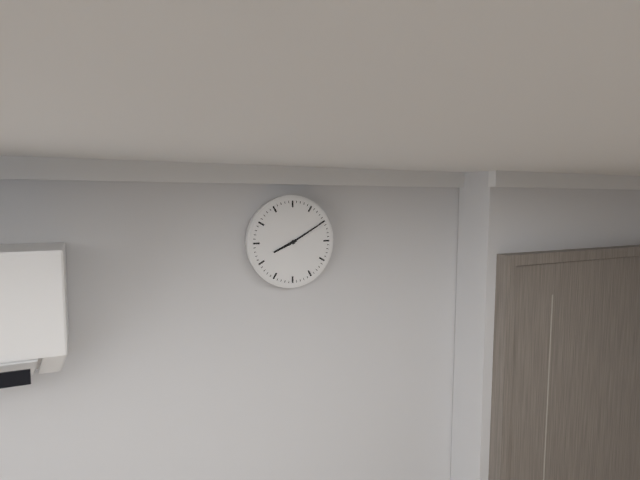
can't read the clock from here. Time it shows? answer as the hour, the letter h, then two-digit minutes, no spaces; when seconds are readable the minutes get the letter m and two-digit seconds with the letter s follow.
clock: 8h10
